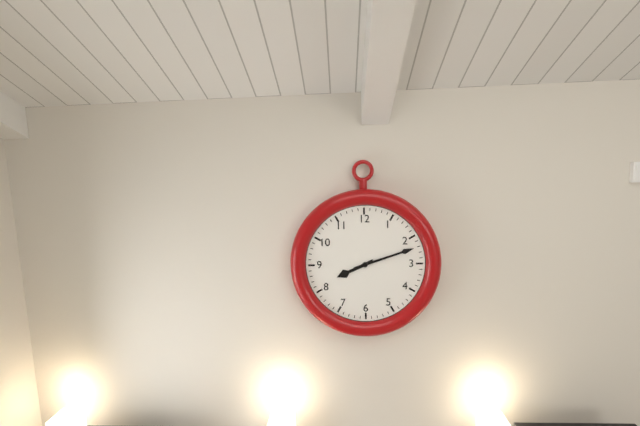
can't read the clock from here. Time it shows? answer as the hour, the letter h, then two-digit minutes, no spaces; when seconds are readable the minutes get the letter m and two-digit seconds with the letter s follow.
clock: 8h12
